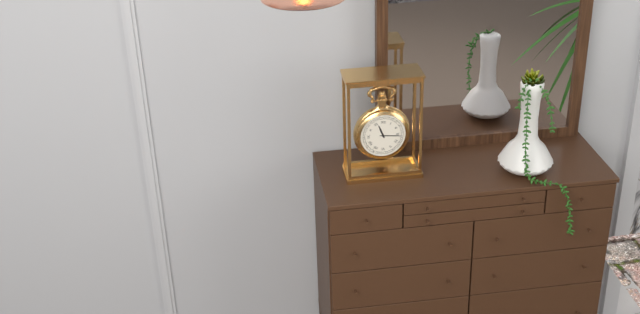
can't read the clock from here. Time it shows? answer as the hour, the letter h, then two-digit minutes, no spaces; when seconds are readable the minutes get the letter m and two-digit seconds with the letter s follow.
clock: 11h16
